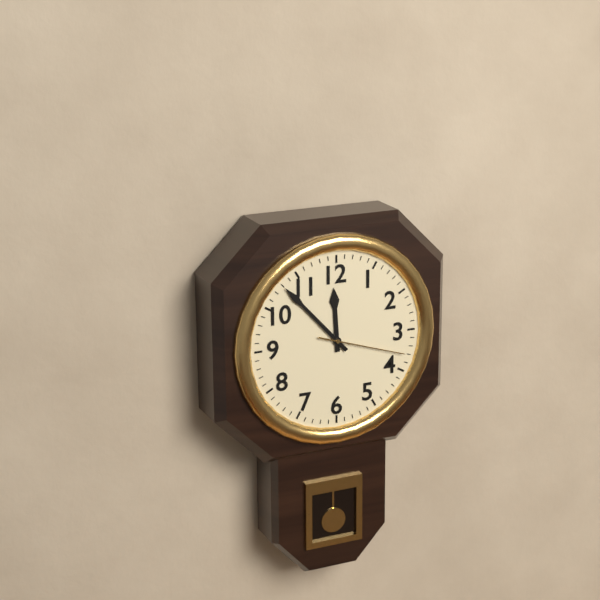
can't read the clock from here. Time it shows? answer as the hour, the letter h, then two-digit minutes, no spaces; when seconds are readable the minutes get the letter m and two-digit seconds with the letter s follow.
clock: 11h53m18s
